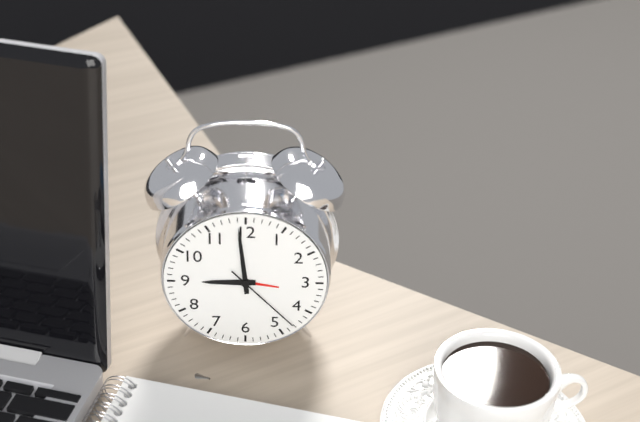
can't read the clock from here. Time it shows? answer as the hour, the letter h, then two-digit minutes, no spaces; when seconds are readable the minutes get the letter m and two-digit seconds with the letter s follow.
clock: 8h59m23s
